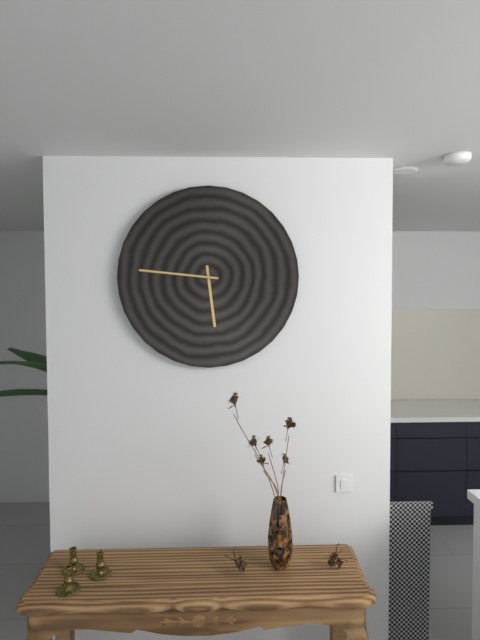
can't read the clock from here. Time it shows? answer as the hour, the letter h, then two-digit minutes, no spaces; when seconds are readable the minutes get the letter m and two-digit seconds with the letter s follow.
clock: 5h46
